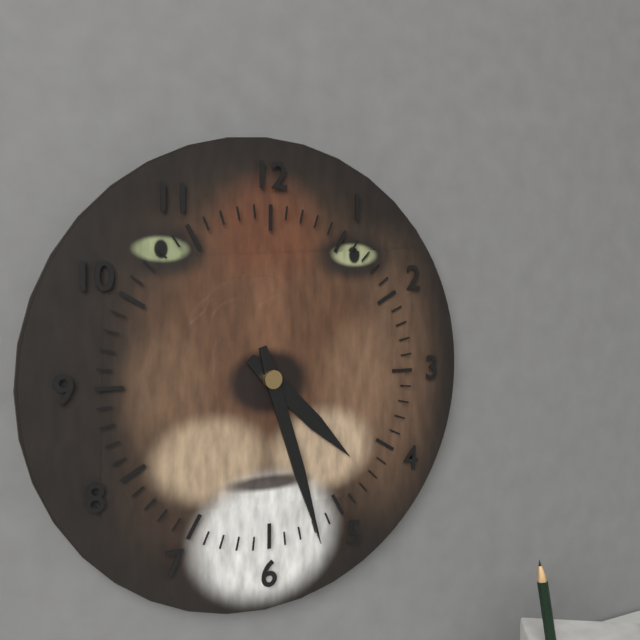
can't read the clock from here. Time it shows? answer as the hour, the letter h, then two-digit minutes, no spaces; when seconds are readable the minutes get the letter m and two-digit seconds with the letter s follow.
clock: 4h27
